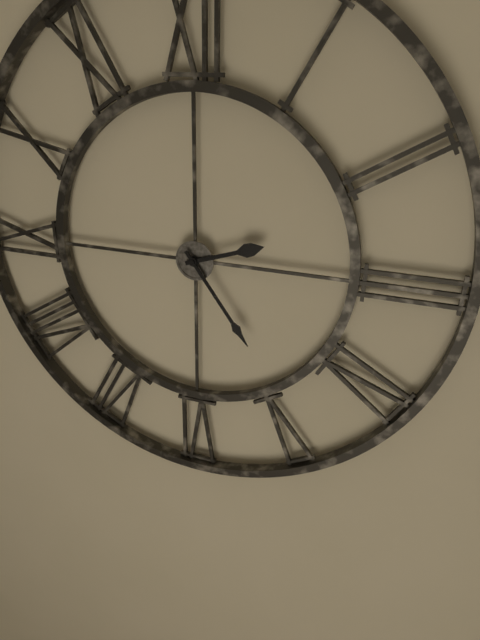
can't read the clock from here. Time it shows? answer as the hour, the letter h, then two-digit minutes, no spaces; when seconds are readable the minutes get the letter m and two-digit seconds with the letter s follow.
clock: 2h24
